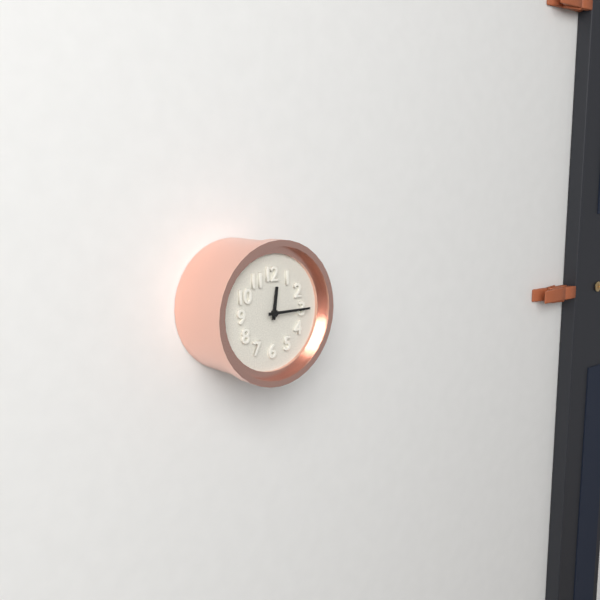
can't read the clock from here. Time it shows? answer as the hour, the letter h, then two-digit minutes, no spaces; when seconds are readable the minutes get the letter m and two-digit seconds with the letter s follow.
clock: 12h15
